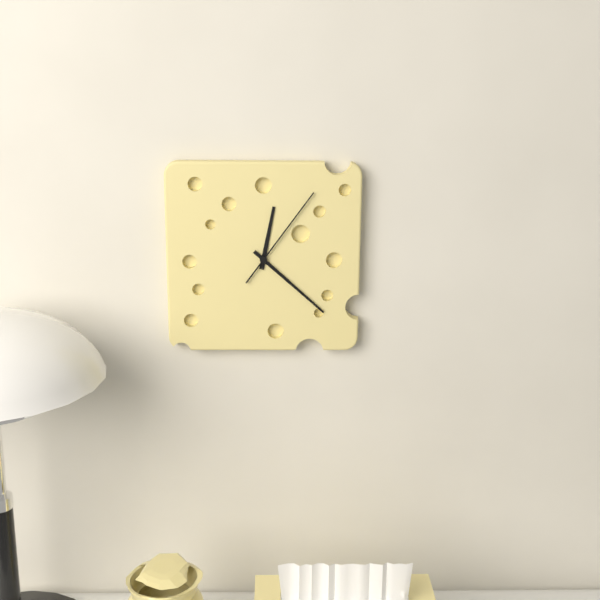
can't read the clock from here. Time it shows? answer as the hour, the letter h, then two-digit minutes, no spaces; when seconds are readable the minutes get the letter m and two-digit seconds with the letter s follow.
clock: 12h22m06s
